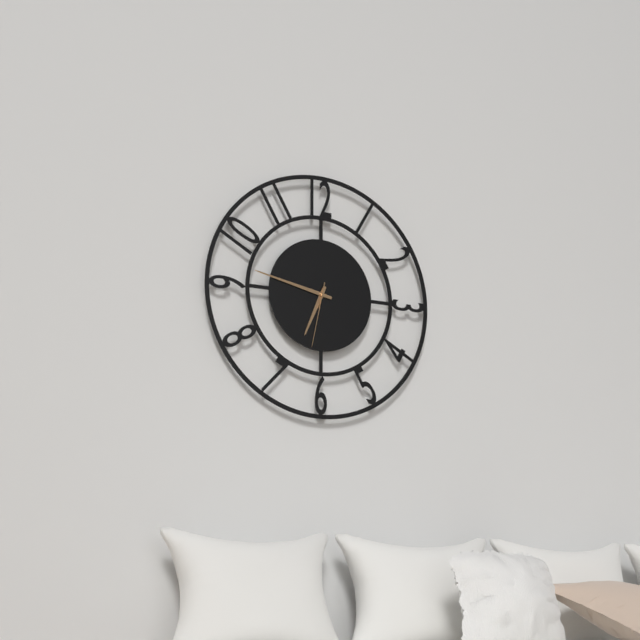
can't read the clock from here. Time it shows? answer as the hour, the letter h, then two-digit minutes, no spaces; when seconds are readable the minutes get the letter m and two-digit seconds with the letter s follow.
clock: 6h47m32s
